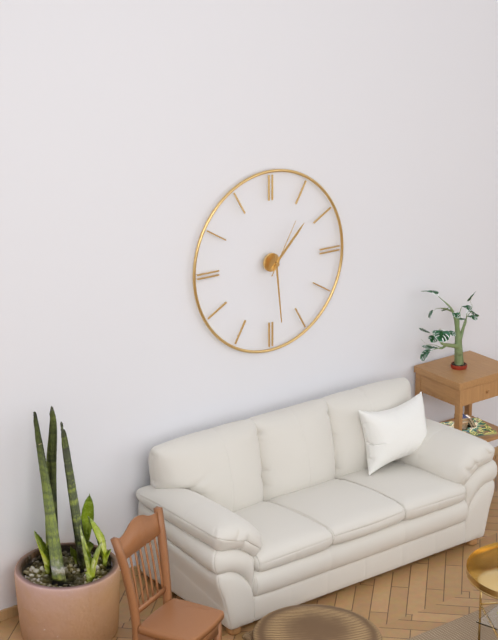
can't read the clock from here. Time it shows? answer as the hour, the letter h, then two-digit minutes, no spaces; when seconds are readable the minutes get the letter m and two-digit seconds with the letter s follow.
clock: 1h29m05s
